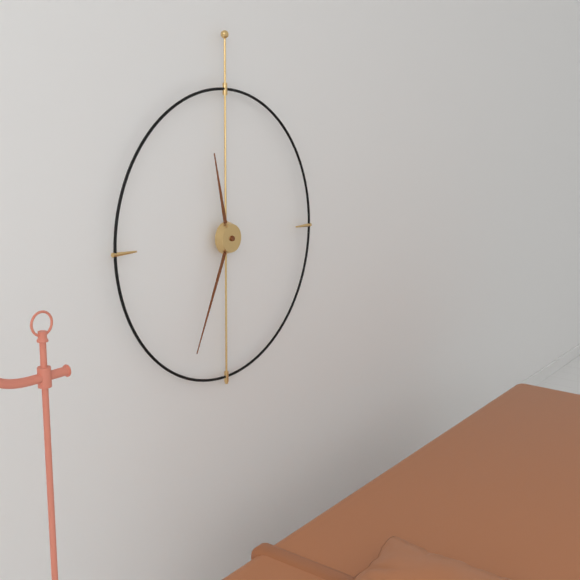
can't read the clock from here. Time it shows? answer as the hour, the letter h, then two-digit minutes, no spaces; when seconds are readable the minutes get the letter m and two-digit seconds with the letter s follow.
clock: 11h34
